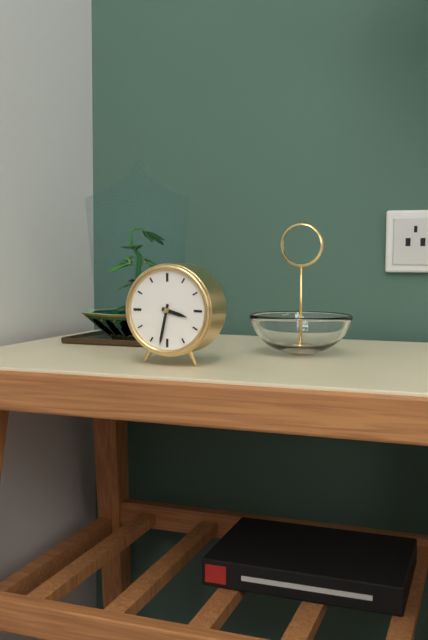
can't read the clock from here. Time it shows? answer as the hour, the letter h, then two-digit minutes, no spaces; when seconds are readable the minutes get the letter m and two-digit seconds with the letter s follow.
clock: 3h32
